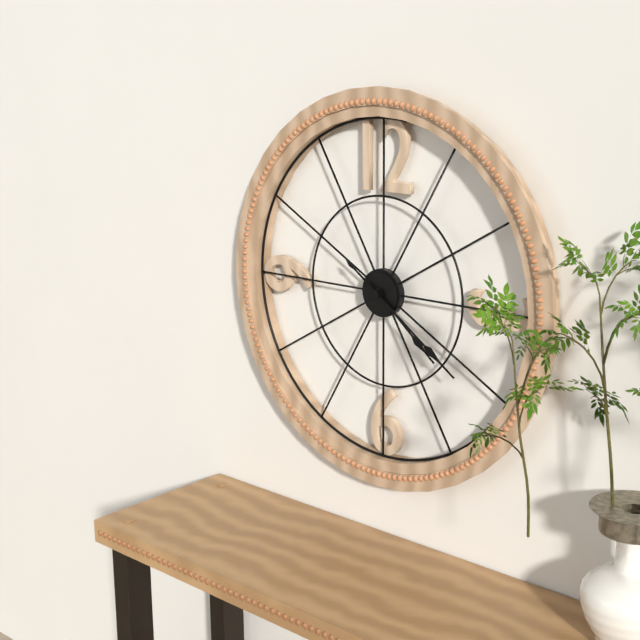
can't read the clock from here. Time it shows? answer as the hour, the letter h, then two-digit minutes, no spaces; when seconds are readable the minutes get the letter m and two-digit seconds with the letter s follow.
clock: 4h21
